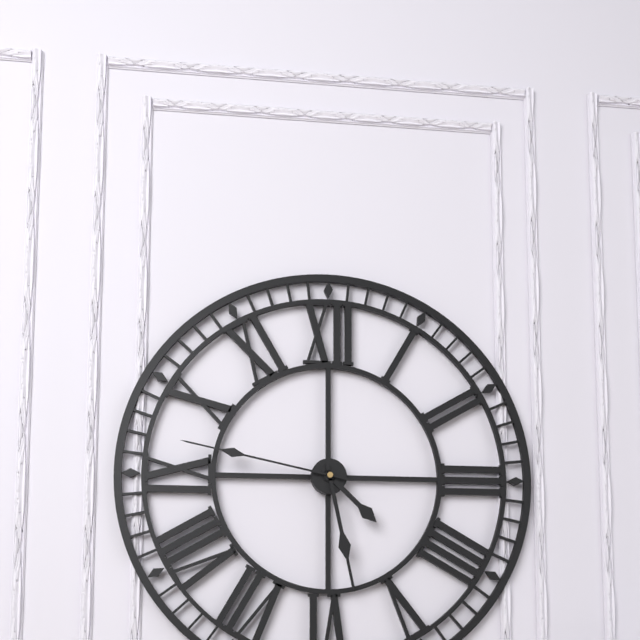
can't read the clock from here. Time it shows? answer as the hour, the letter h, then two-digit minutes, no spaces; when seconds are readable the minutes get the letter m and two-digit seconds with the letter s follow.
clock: 4h28m47s
